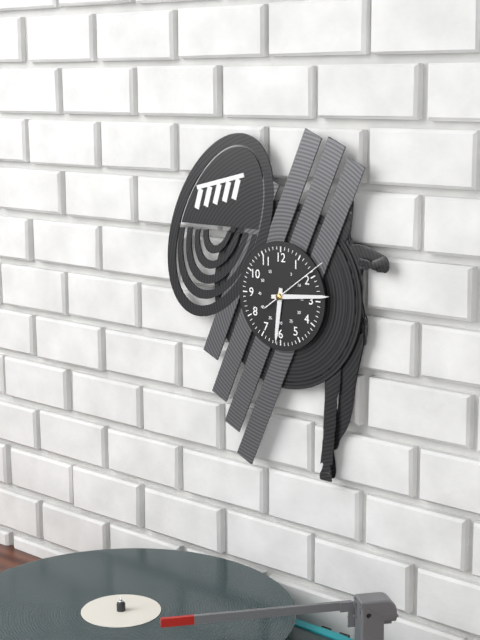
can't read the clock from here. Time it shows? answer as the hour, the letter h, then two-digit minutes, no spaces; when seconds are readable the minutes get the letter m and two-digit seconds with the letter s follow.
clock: 6h14m09s
